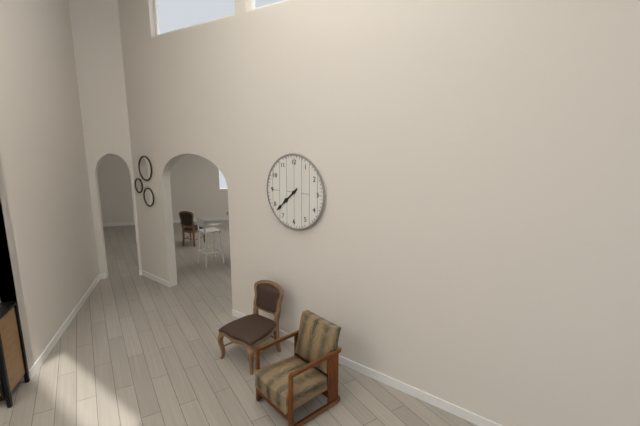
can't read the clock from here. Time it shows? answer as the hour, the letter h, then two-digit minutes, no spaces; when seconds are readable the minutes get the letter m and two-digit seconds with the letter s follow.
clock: 7h38
